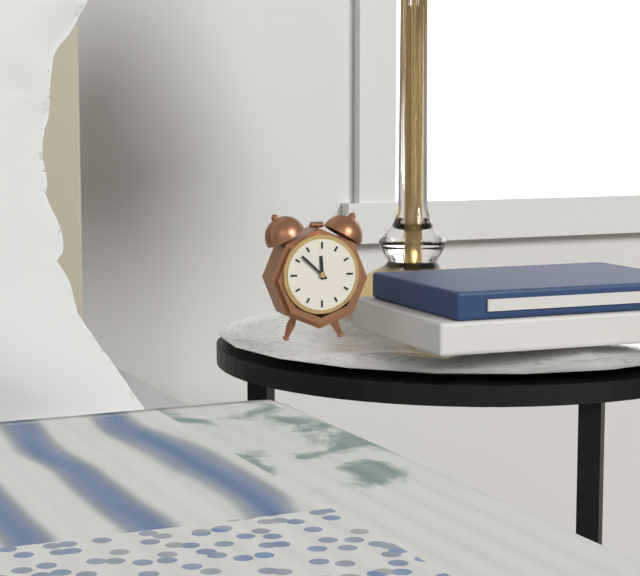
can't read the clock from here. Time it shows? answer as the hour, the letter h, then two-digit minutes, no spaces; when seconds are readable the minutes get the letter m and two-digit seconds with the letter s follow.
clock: 11h52
